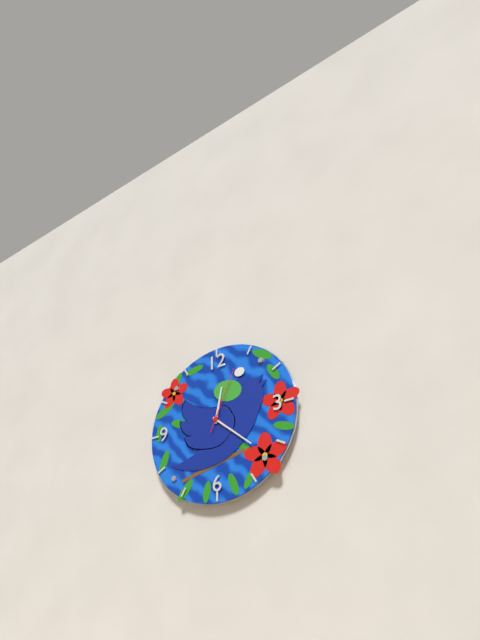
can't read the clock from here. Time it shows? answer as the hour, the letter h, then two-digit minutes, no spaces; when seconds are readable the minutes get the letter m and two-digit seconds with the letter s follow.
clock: 12h22m04s
